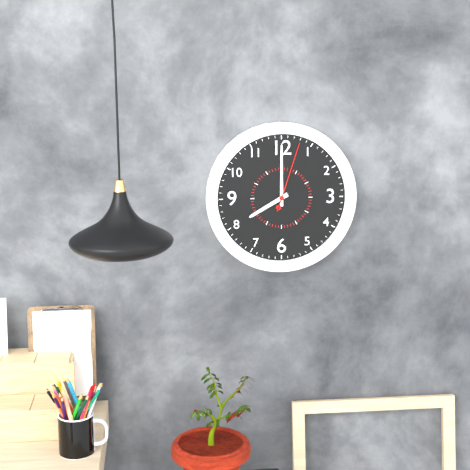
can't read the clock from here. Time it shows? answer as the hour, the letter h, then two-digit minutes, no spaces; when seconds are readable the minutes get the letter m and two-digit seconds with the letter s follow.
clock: 8h00m03s
